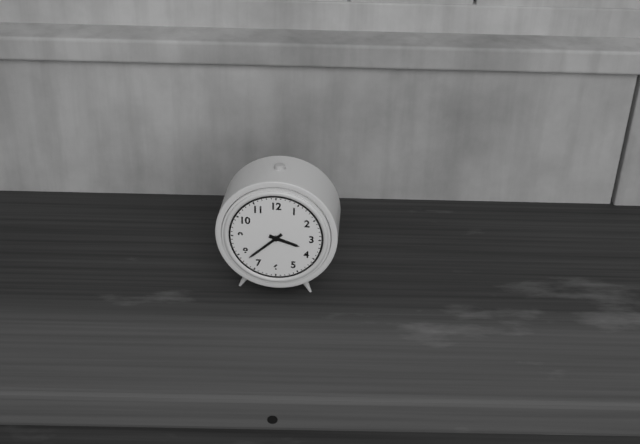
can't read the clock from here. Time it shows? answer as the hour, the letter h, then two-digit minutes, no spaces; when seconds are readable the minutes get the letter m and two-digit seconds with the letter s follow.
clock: 3h38
